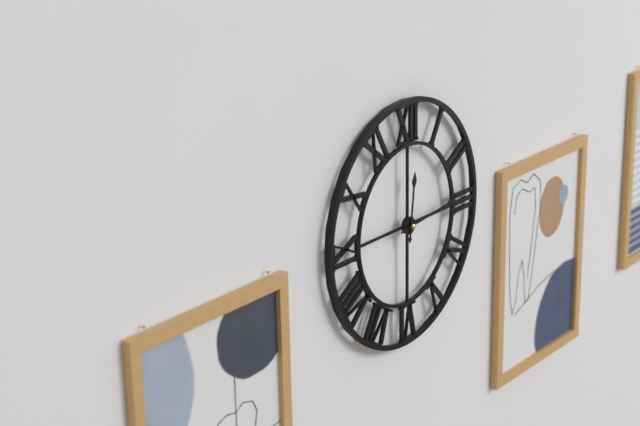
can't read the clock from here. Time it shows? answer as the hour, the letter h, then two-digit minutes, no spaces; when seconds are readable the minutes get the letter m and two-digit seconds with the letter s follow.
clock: 12h14
